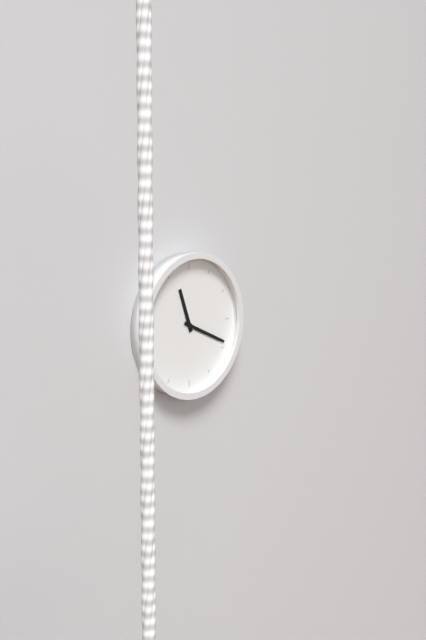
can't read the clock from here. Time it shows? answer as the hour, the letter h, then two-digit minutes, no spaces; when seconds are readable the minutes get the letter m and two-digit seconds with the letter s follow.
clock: 11h19
